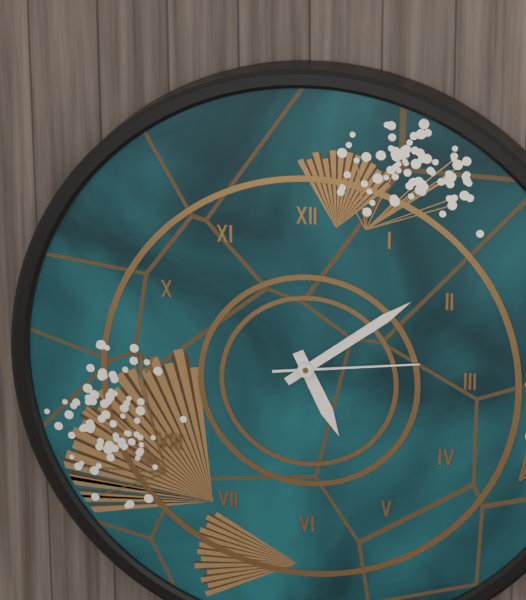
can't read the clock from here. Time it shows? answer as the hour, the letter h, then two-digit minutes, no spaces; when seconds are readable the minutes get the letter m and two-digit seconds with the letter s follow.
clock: 5h09m14s
